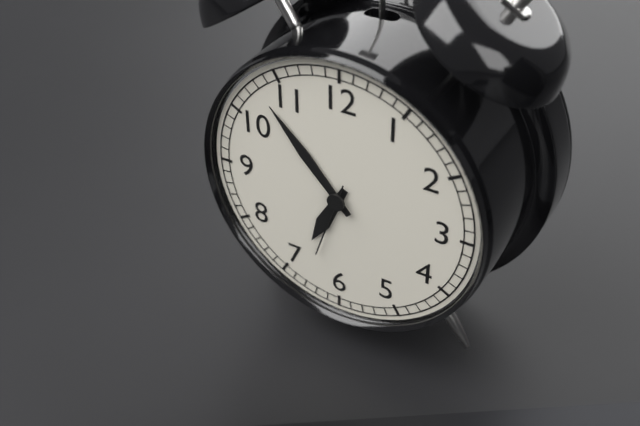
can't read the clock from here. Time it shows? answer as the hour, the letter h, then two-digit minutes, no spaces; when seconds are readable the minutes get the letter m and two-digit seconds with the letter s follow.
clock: 6h53m33s
